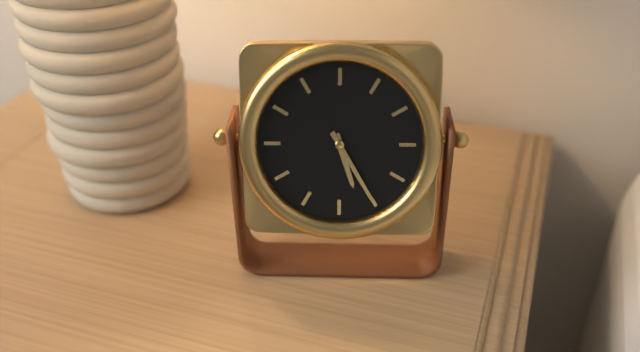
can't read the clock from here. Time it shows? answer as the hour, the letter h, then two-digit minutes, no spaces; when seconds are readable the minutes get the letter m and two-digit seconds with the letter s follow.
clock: 5h25
